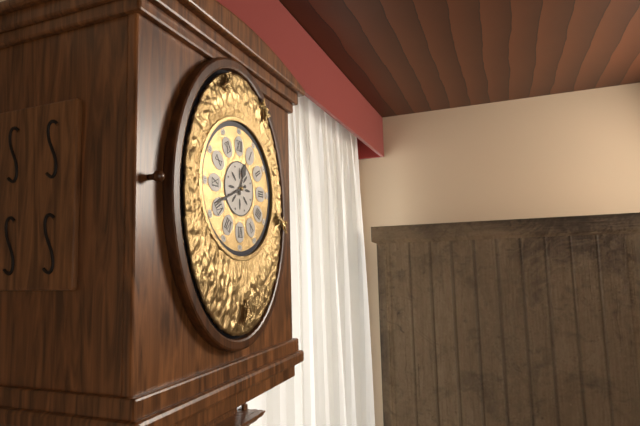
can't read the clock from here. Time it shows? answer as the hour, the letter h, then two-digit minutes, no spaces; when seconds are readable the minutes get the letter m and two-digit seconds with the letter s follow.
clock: 12h41
